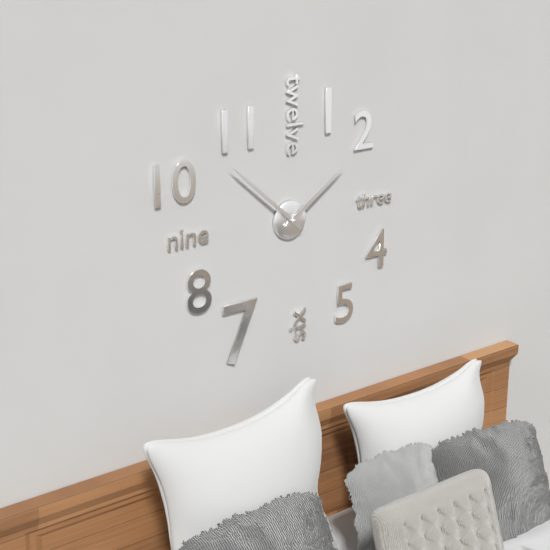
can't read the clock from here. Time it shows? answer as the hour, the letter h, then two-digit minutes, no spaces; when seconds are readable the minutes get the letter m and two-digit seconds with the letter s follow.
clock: 1h52
